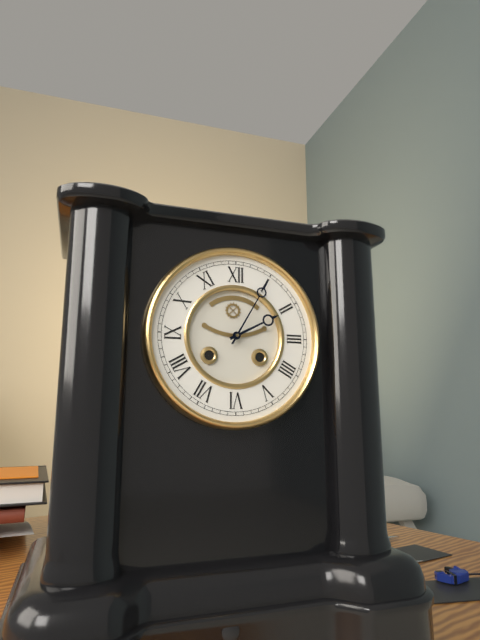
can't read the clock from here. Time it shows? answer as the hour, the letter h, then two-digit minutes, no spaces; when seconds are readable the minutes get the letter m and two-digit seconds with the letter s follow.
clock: 2h05
